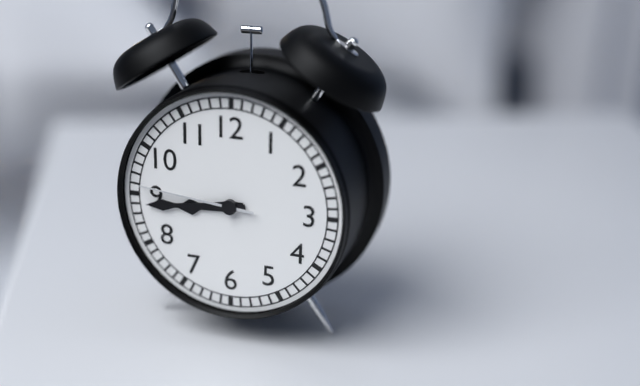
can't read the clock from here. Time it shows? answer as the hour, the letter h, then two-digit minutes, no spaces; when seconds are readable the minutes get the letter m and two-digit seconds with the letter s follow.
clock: 8h44m46s
